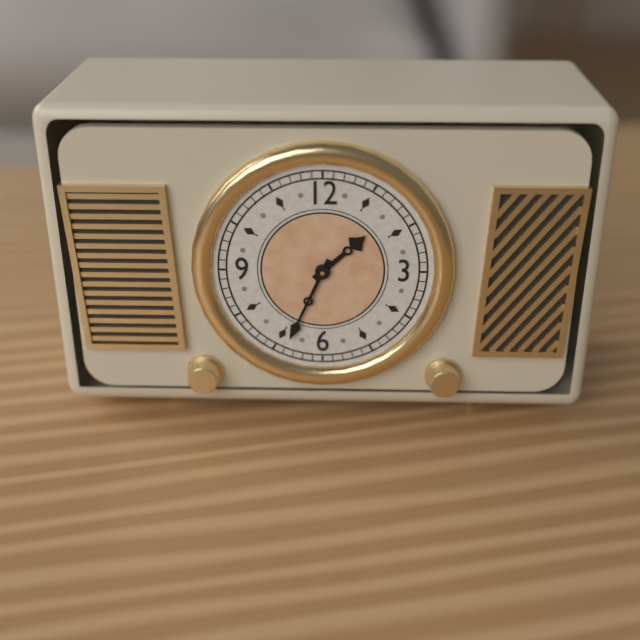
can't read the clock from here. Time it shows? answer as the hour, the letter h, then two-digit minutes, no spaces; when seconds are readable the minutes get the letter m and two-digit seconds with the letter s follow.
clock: 1h34
